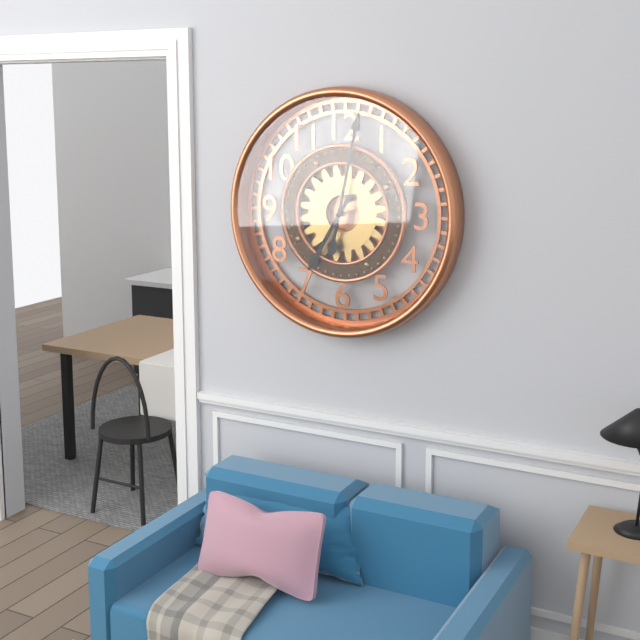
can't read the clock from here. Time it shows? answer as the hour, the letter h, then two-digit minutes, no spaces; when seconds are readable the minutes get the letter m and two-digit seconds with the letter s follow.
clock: 7h02
